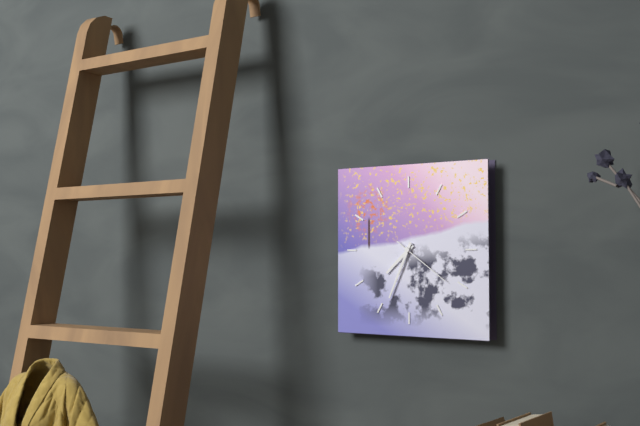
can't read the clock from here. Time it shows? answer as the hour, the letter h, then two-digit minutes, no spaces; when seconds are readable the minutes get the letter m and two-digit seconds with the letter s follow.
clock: 7h34m21s
